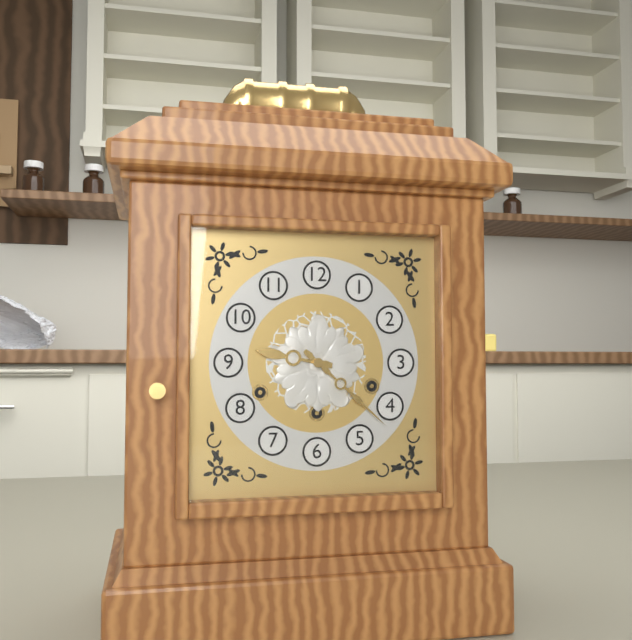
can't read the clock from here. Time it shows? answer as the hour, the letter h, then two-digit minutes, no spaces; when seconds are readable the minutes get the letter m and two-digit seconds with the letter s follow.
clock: 9h22
